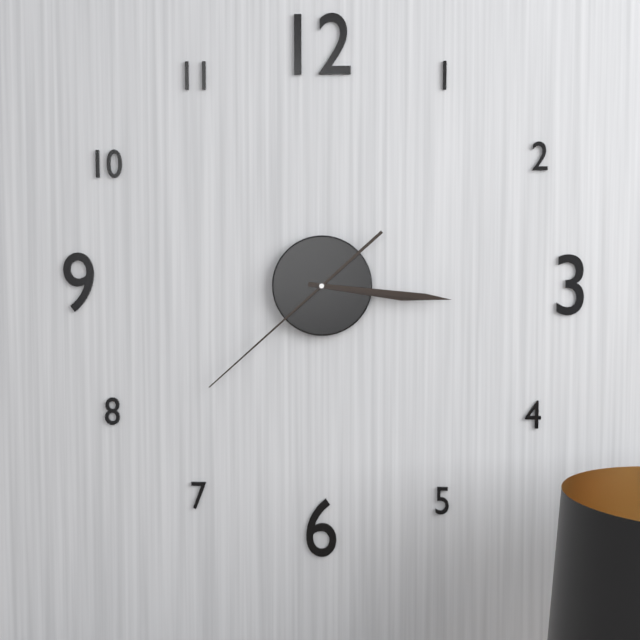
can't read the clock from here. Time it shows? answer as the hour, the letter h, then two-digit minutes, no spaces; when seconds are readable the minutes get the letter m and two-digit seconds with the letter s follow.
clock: 3h16m38s
